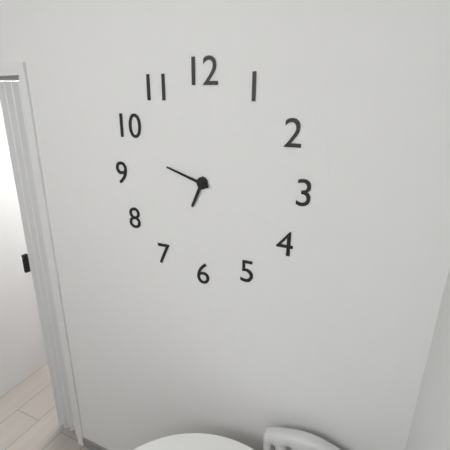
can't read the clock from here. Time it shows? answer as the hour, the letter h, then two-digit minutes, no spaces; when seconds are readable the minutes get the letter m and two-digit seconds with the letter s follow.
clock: 6h48
